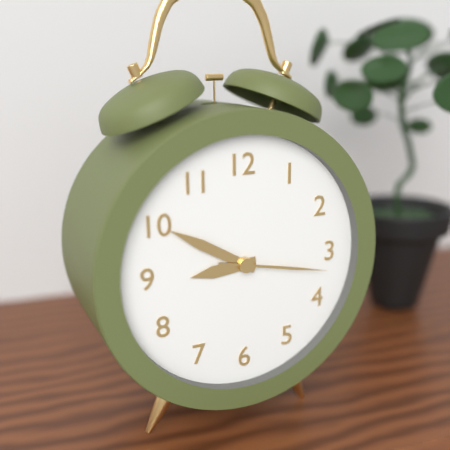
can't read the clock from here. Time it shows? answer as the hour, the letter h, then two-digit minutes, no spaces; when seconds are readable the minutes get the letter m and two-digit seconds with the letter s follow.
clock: 8h50m17s
